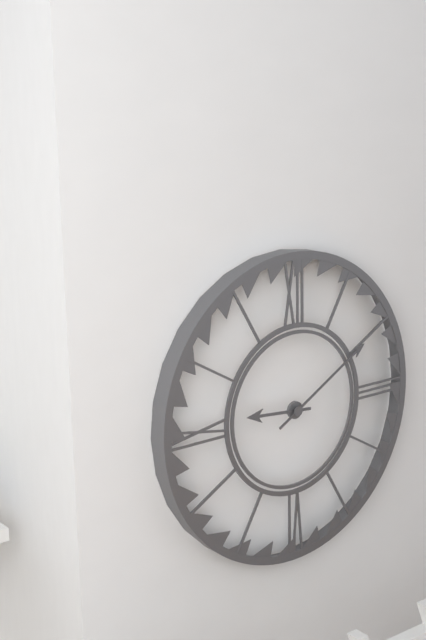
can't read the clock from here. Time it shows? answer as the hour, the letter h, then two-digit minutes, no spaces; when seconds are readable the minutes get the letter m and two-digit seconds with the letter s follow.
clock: 9h10
